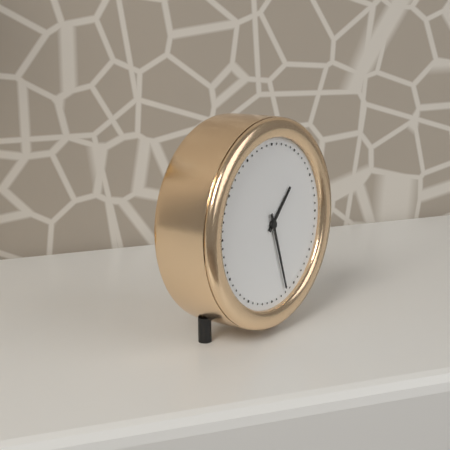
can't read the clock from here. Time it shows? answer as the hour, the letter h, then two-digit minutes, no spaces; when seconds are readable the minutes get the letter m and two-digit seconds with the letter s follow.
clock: 1h27
